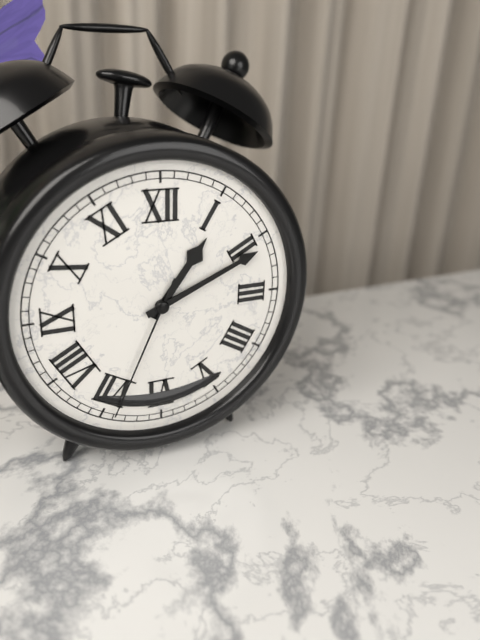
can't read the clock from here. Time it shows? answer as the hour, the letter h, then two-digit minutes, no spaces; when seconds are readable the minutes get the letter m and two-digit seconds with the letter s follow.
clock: 1h11m34s
